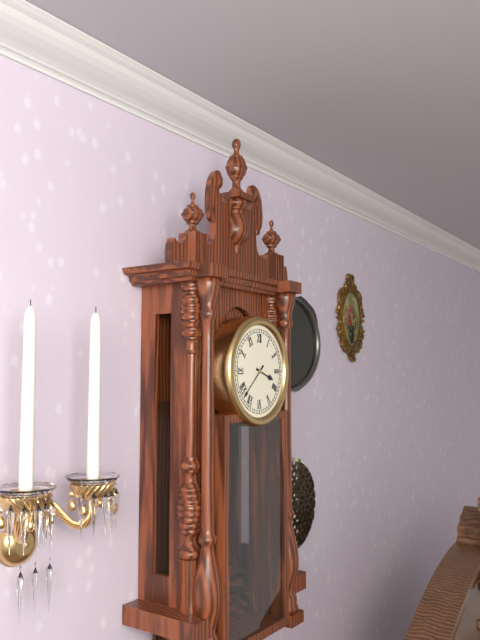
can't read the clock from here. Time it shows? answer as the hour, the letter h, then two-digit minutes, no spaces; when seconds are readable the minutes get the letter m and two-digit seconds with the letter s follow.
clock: 3h38
